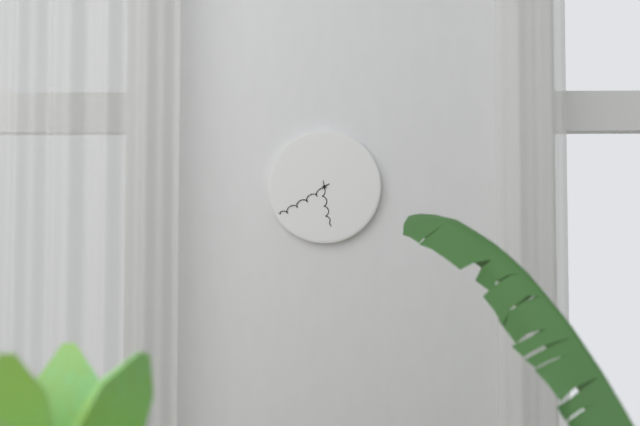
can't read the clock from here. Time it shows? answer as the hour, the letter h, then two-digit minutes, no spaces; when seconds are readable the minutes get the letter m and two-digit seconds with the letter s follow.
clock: 5h40
